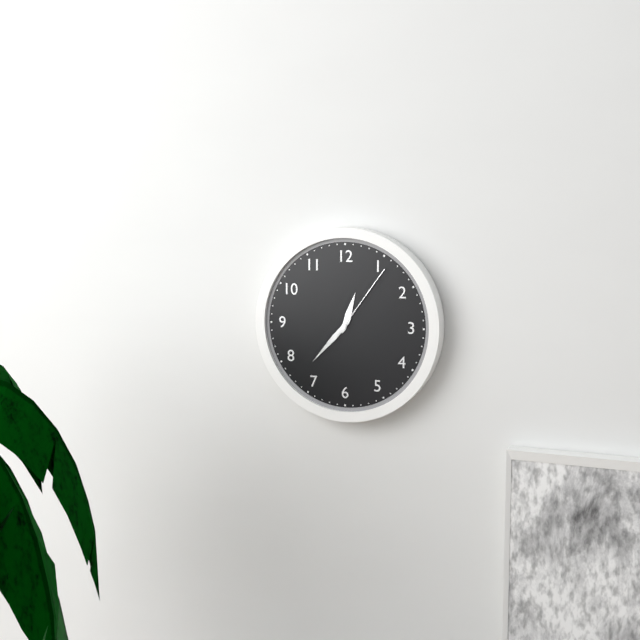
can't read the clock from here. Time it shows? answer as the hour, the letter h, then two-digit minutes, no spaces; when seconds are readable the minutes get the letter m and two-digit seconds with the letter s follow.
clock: 12h37m06s
